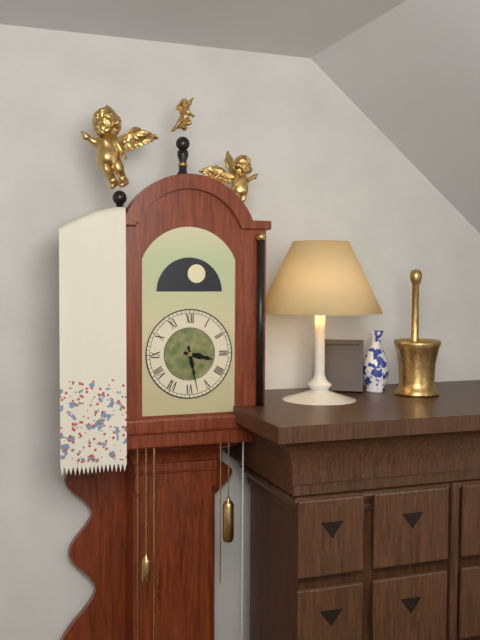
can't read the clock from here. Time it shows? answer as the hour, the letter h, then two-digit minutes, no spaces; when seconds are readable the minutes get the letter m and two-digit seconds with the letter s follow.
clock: 3h28
